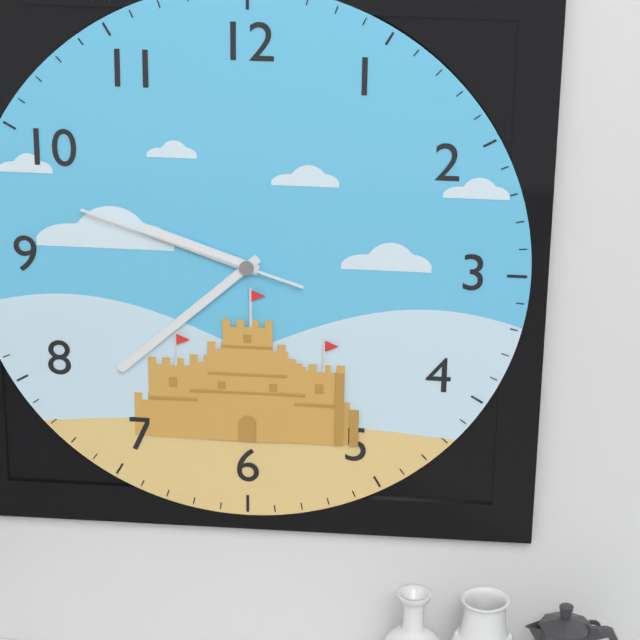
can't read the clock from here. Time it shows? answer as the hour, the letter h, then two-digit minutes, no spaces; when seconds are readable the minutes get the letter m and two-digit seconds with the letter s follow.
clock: 9h38m48s
